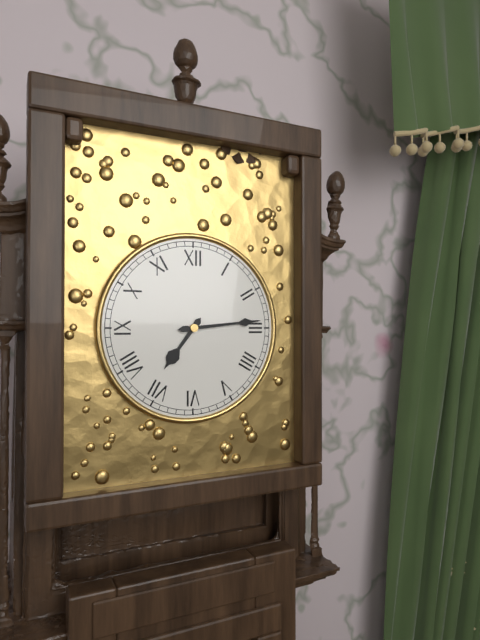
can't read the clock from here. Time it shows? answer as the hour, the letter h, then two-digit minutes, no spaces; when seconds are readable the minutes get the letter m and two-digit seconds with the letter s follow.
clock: 7h14
